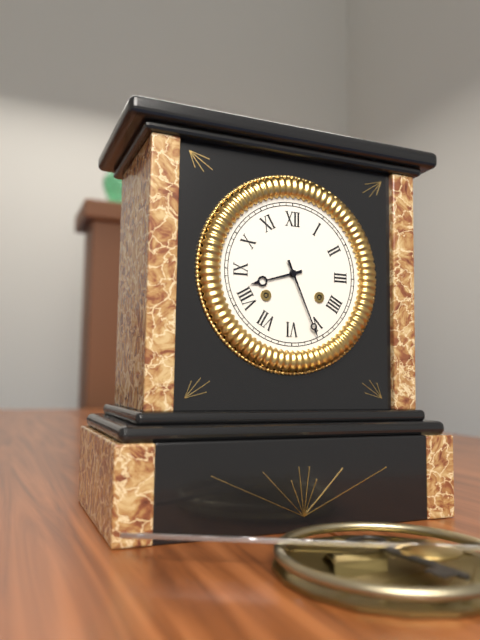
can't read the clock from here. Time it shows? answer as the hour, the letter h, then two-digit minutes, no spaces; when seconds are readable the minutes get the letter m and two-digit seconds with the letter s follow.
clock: 8h26
